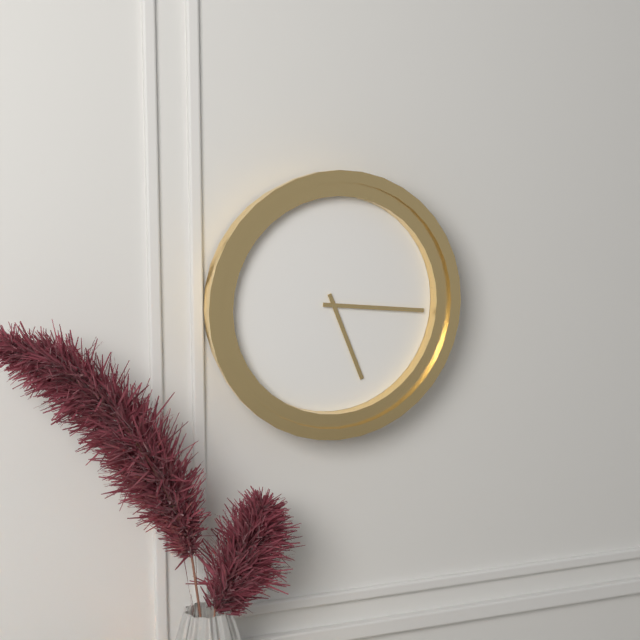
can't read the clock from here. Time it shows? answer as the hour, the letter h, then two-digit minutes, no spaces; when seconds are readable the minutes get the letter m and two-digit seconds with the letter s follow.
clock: 5h16
